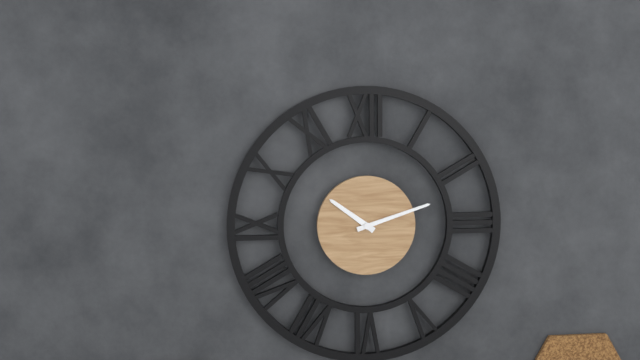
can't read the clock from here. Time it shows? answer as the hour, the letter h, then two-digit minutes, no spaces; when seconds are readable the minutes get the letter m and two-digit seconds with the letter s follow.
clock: 10h12
